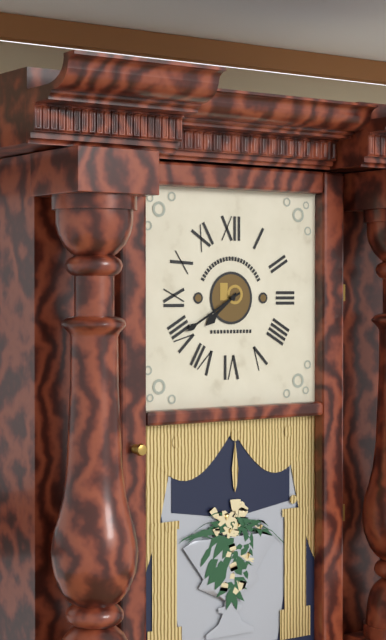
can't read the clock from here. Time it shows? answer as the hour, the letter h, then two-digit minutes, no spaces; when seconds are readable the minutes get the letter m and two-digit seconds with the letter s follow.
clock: 7h40
